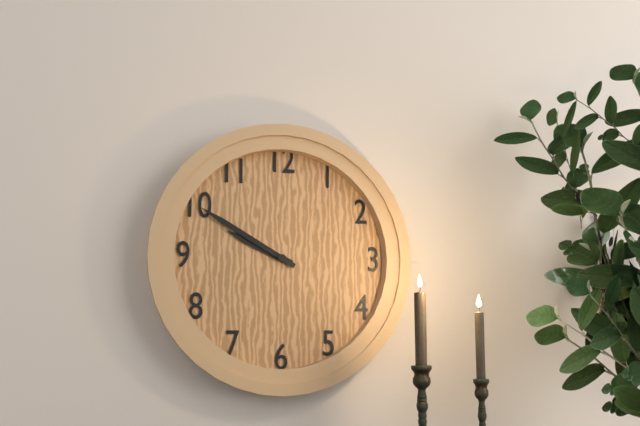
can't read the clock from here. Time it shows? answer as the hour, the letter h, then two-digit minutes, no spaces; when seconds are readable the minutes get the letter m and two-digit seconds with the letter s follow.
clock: 9h50
